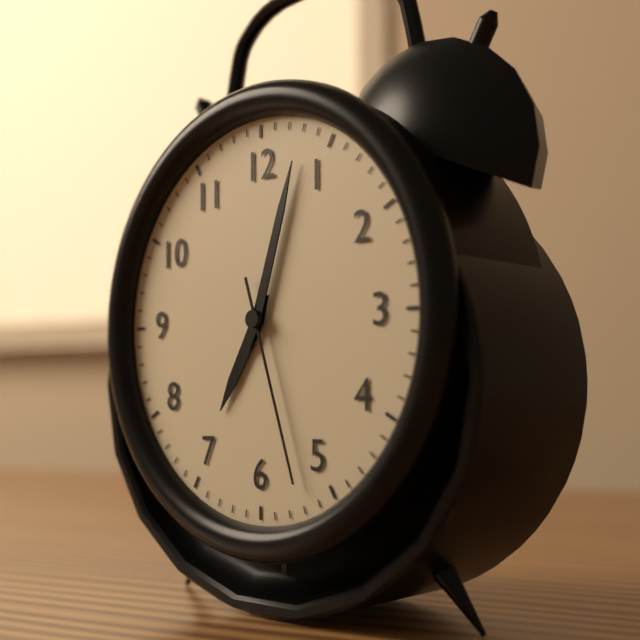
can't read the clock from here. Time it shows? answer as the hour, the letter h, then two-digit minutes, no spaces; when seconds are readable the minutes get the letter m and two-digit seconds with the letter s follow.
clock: 7h03m27s
